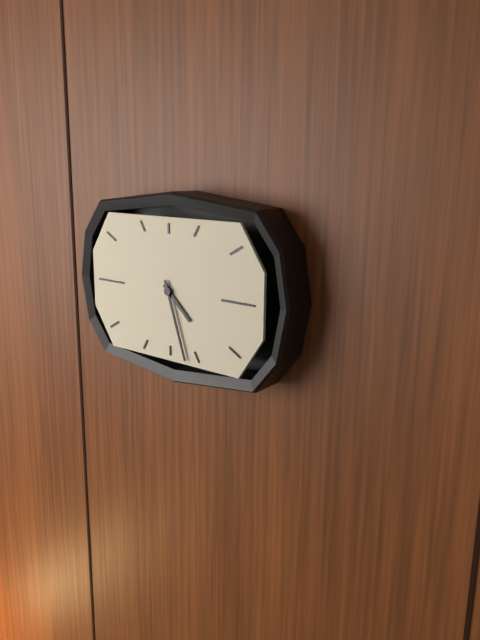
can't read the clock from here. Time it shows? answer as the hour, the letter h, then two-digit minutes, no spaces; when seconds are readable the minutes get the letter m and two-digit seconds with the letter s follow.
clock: 4h27
